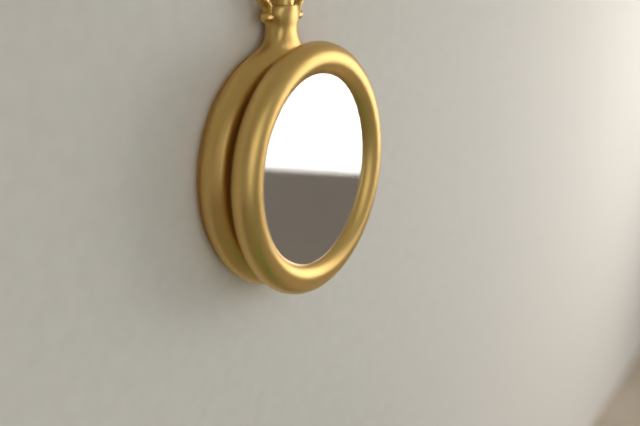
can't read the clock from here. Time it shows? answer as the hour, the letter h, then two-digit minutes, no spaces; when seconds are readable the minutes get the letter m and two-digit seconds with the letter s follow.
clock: 9h21
